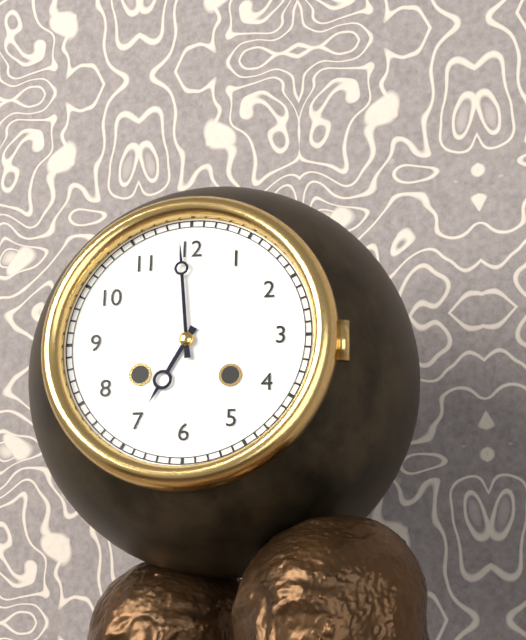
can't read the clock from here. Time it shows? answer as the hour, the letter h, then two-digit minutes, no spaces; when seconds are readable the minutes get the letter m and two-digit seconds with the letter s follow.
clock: 6h59
